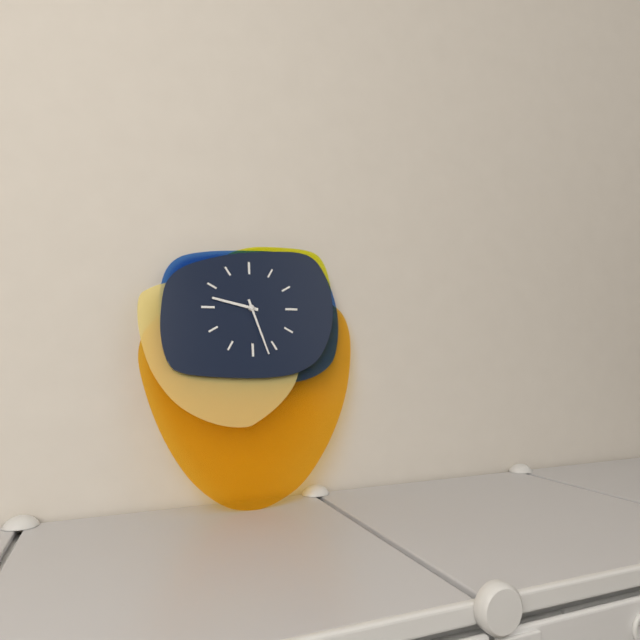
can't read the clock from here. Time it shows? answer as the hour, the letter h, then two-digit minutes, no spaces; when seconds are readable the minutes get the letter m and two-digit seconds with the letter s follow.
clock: 9h27
